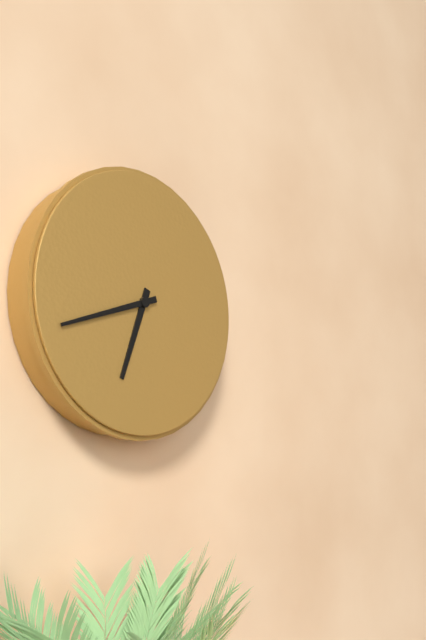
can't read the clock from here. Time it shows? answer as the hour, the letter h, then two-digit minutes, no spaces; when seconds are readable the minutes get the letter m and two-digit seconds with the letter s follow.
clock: 6h42
